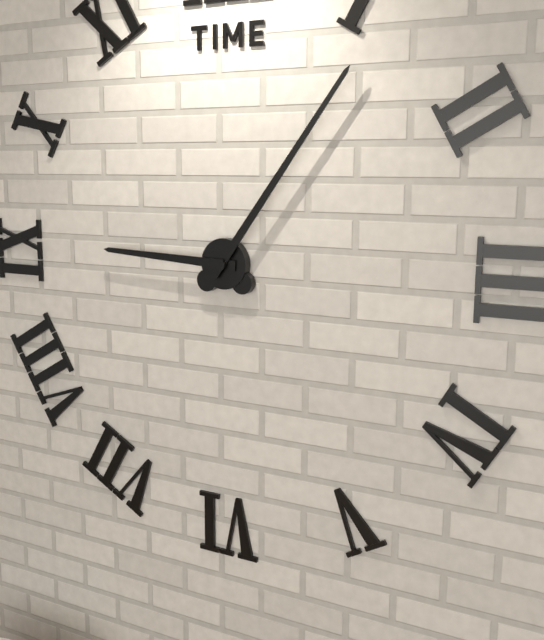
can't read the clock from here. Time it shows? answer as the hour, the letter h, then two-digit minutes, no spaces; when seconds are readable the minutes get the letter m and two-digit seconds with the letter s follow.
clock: 9h06
